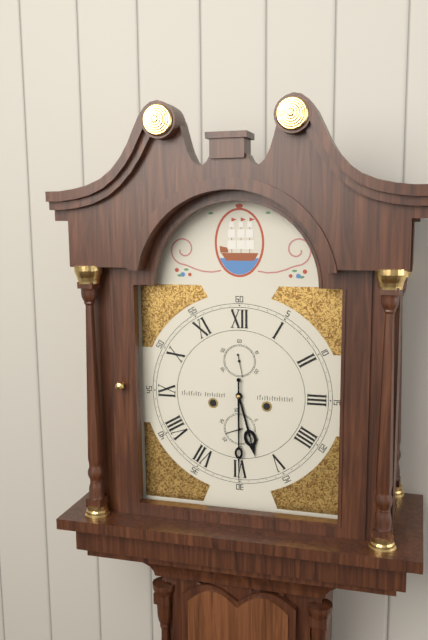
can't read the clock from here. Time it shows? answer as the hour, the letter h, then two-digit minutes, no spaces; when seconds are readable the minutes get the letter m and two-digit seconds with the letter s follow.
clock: 5h30
